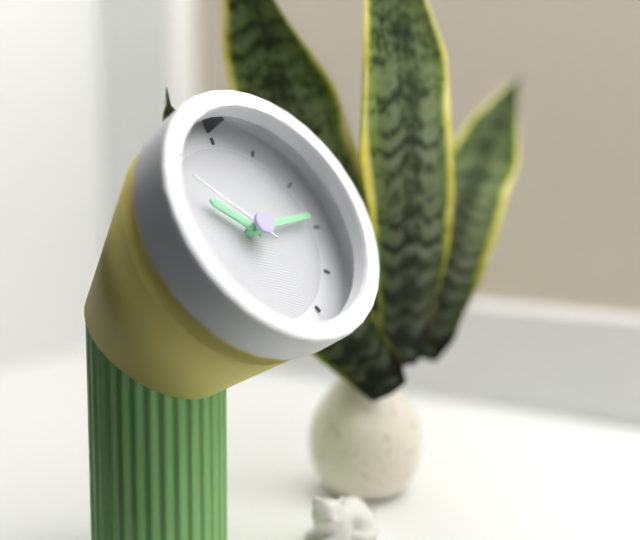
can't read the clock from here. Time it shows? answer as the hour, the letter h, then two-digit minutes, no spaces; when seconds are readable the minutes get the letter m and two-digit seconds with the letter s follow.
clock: 10h14m52s
